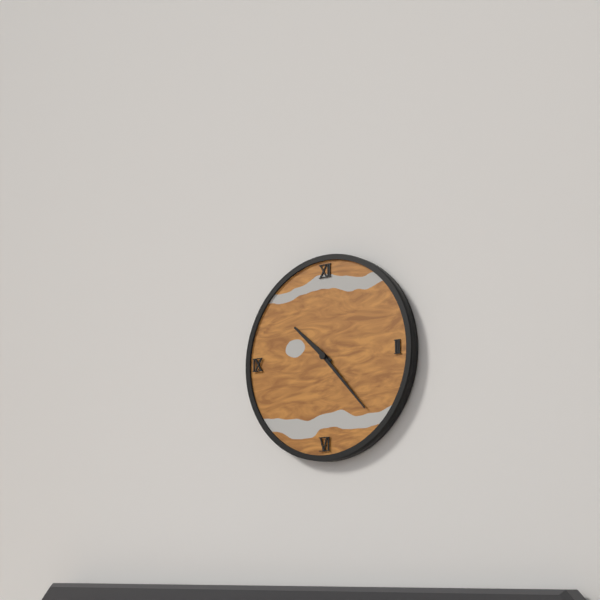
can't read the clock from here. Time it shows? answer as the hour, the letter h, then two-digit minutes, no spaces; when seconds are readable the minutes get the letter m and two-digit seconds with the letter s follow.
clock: 10h23
